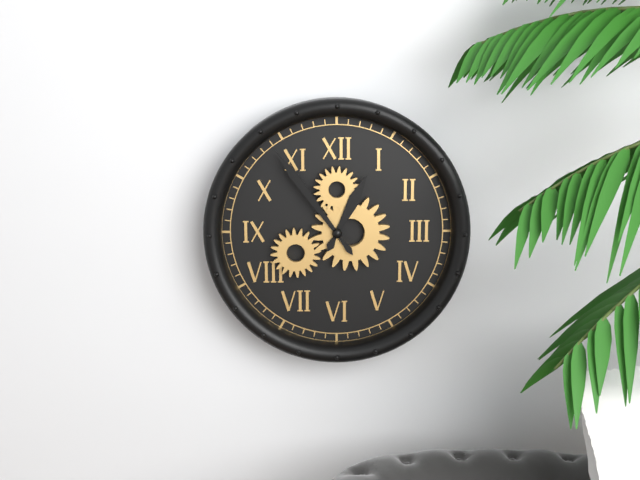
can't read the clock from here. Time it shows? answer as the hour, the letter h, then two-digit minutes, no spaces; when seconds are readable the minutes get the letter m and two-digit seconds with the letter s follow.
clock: 12h54
